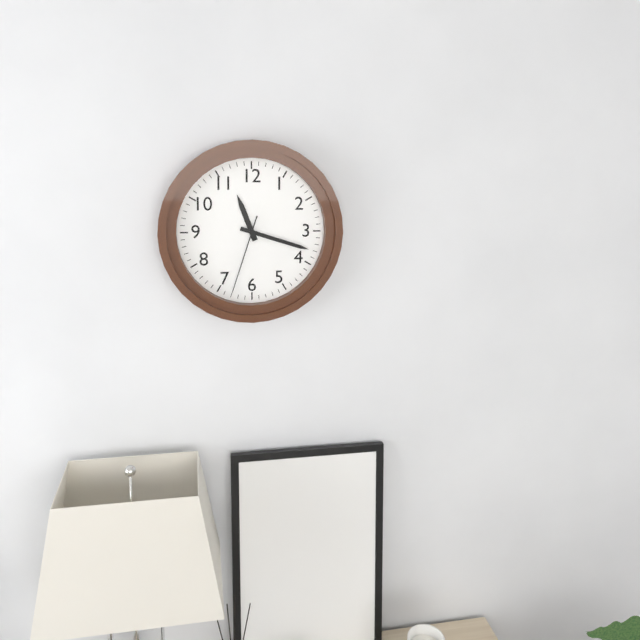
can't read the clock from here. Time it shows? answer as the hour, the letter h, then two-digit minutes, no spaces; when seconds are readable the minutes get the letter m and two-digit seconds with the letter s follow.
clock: 11h18m33s
